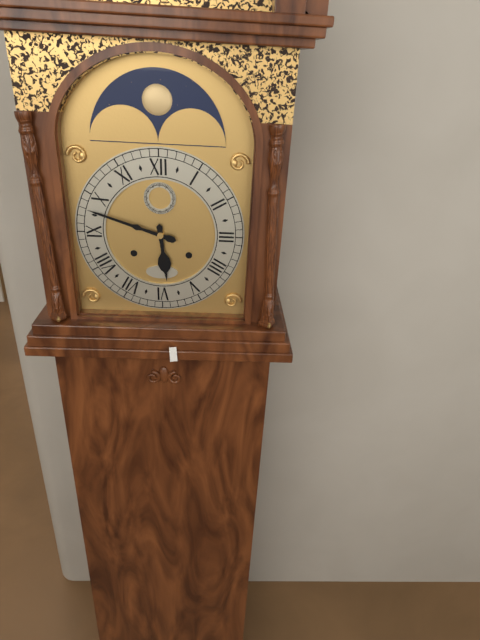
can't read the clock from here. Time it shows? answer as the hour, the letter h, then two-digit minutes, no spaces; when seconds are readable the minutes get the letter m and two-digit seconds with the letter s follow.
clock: 5h48
